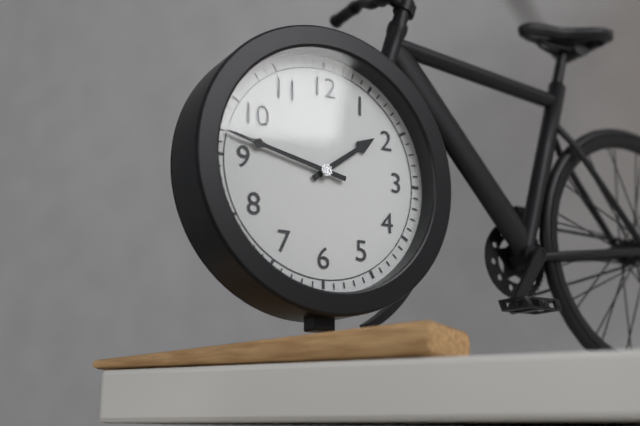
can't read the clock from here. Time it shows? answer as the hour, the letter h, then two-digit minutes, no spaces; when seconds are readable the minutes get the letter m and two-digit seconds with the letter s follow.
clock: 1h47
